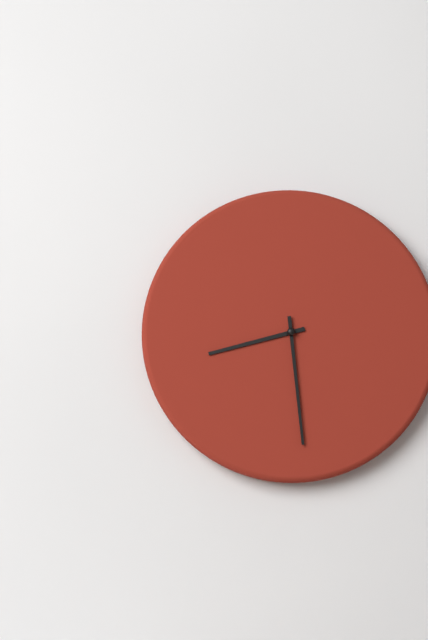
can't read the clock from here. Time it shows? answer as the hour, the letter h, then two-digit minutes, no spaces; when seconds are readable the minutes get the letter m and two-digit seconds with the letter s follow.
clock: 8h29
